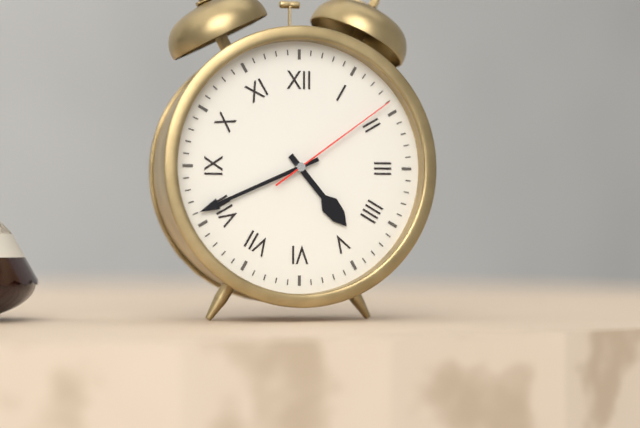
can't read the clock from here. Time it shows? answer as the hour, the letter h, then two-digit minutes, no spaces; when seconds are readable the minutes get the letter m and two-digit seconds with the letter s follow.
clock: 4h41m09s
